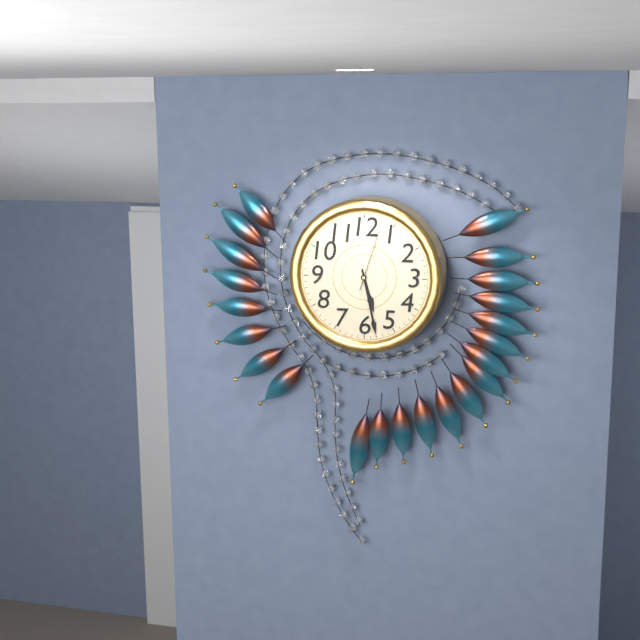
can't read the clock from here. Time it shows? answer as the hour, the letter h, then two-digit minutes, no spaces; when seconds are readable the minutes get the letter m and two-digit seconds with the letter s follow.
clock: 5h28m03s
